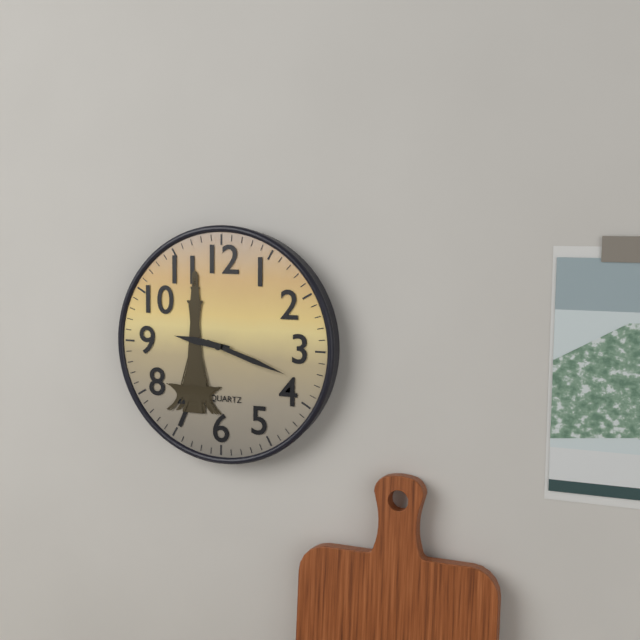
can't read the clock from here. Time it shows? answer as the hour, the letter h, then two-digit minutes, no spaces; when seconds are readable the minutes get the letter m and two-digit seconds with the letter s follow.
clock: 9h18
